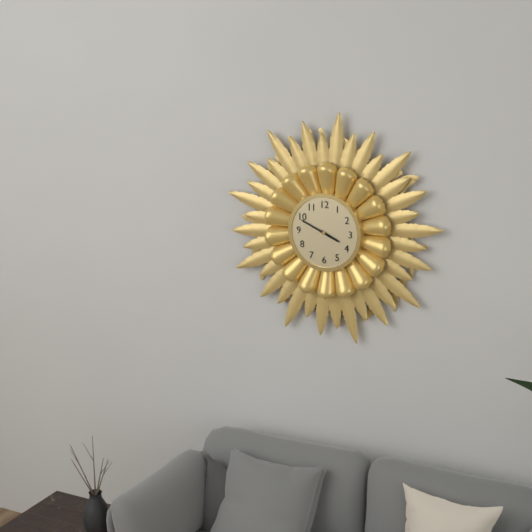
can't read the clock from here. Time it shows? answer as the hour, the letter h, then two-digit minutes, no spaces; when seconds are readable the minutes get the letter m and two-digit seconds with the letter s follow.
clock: 3h49
